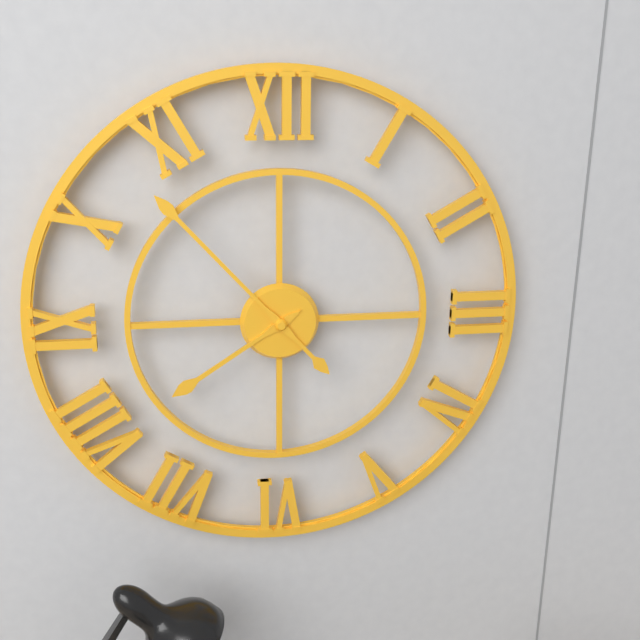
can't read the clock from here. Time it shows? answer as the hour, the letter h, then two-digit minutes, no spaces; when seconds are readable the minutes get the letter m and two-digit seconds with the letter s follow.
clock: 7h53
